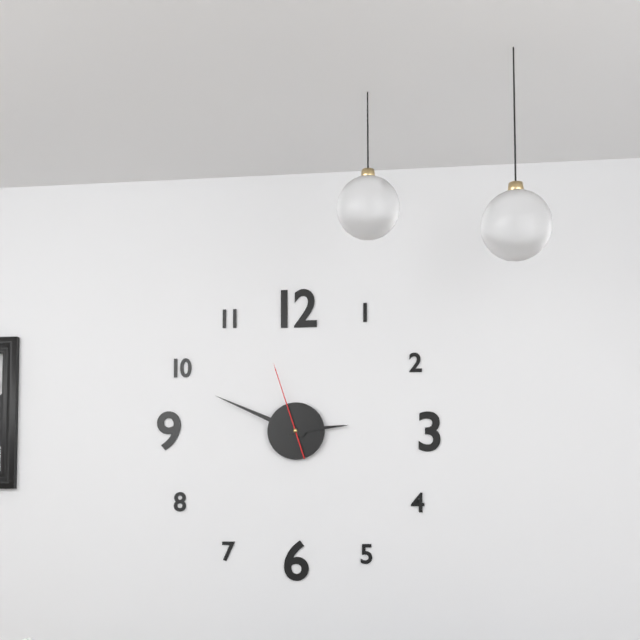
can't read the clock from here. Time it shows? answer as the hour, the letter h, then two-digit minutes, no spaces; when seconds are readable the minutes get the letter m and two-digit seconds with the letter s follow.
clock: 2h49m57s
